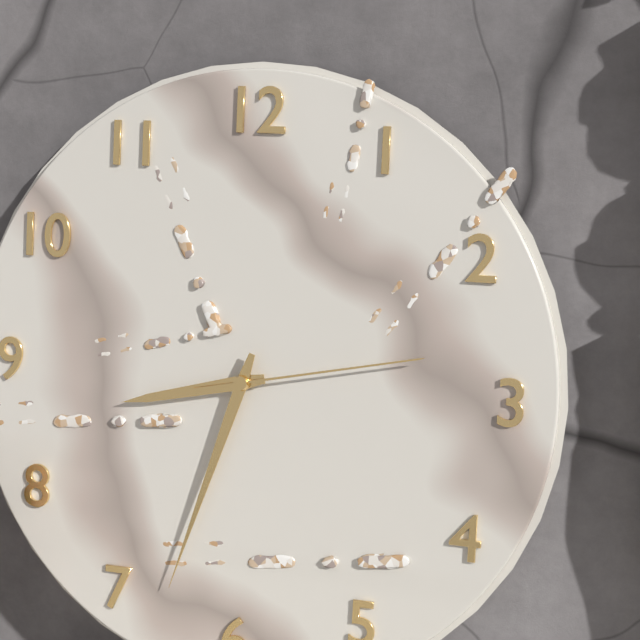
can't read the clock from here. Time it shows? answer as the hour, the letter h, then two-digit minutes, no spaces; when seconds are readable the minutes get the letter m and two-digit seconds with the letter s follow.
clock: 8h33m13s
